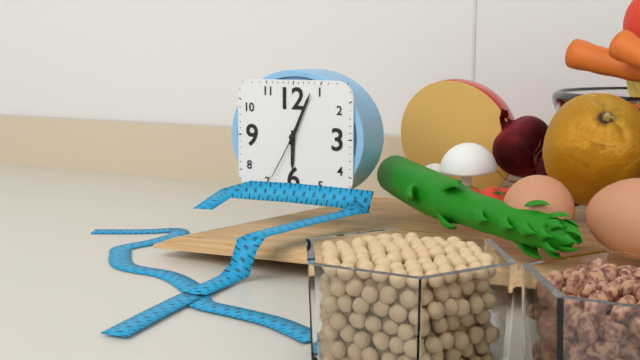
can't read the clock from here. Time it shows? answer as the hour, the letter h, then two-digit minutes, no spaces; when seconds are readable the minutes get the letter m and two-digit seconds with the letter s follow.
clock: 6h04m35s
